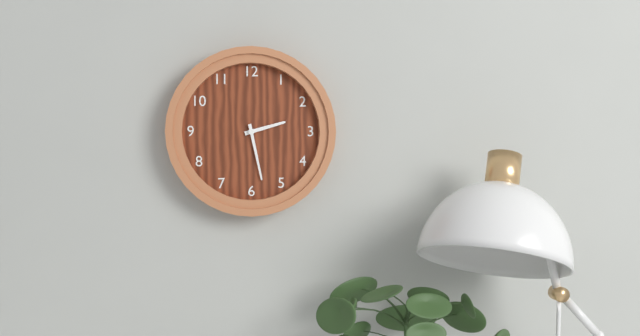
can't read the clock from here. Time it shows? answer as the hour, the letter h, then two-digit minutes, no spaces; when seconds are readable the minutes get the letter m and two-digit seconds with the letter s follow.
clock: 2h28
